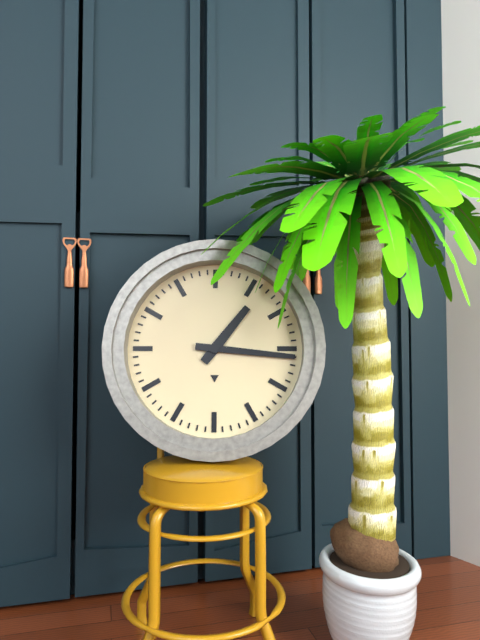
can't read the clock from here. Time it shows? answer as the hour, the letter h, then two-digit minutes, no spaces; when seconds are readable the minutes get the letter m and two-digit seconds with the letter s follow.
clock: 1h16
